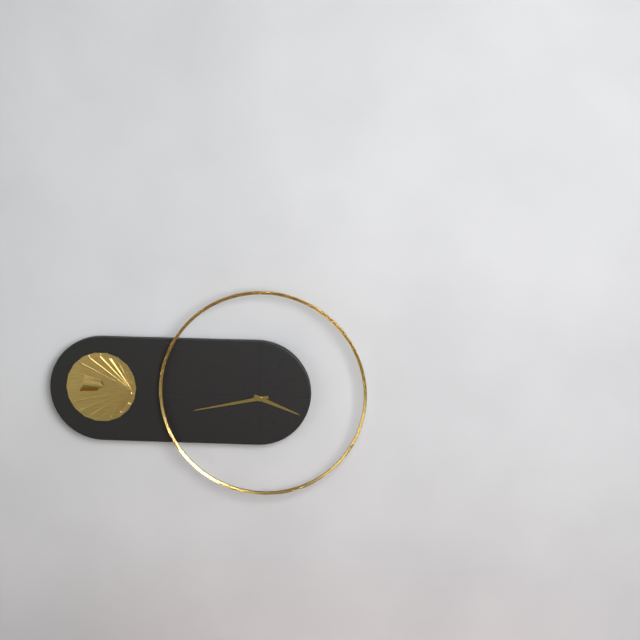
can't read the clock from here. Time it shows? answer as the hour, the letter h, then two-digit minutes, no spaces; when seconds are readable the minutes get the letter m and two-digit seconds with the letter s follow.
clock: 3h43
